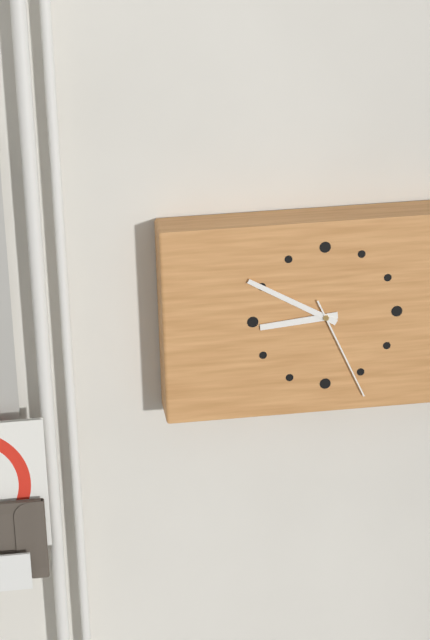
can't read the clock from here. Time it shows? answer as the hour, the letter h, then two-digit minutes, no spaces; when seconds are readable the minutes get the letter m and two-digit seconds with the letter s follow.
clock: 8h50m26s
